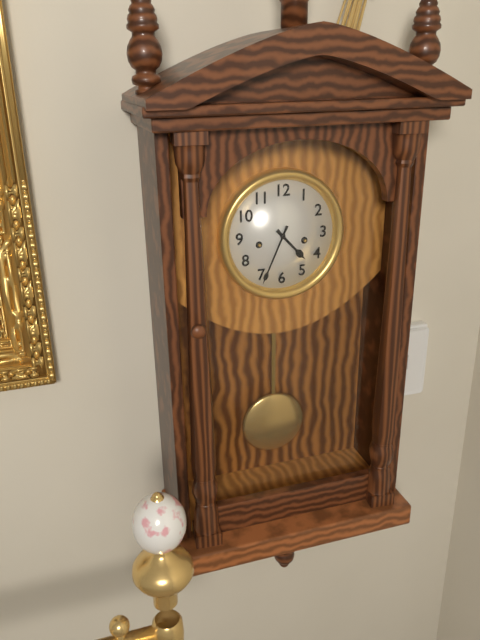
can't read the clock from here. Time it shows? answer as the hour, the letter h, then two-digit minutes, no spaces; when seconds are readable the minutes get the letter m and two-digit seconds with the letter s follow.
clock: 4h34
